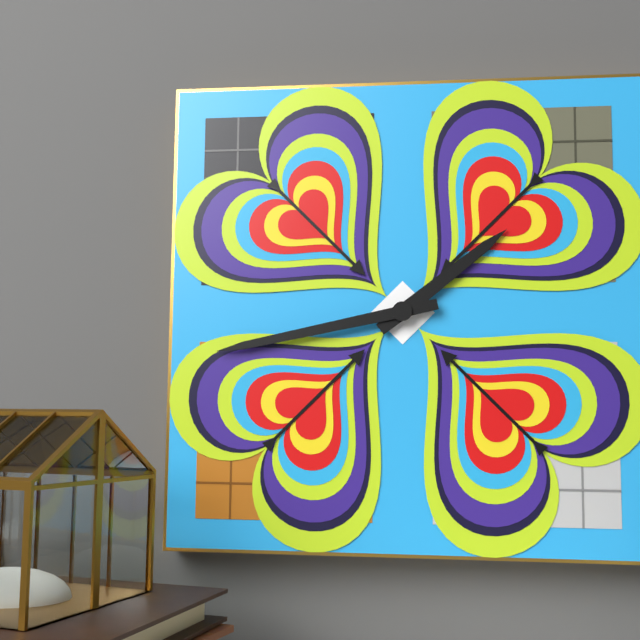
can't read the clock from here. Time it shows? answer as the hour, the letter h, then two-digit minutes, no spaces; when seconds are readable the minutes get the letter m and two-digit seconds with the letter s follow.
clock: 1h43
